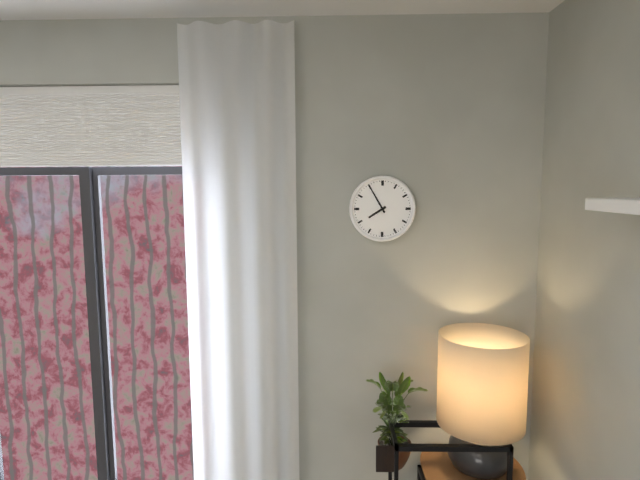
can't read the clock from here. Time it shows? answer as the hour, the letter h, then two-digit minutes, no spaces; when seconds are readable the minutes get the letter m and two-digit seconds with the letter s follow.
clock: 7h55
